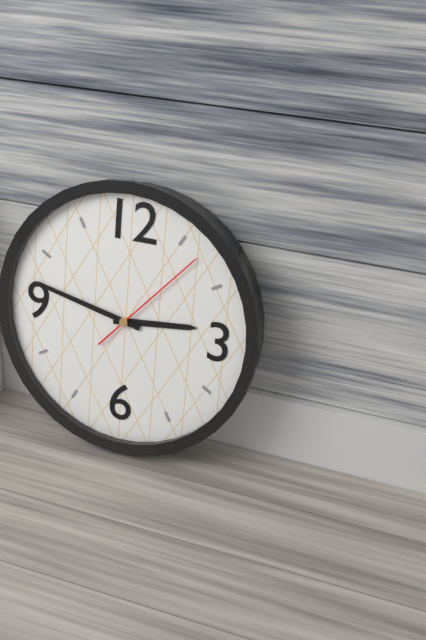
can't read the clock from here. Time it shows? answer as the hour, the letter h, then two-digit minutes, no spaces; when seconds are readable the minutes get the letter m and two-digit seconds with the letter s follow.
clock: 2h47m07s
